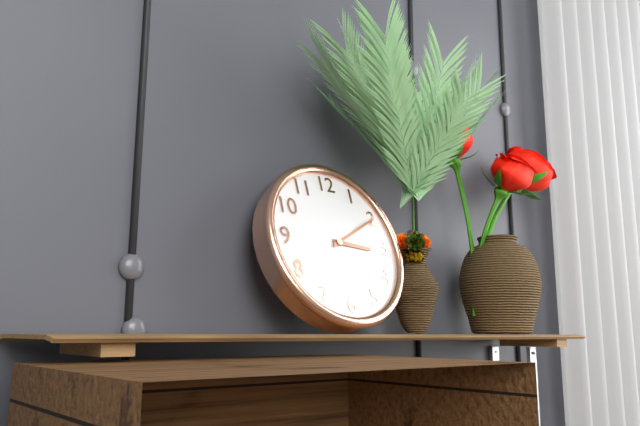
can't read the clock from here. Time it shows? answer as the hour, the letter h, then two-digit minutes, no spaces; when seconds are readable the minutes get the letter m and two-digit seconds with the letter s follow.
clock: 3h10
